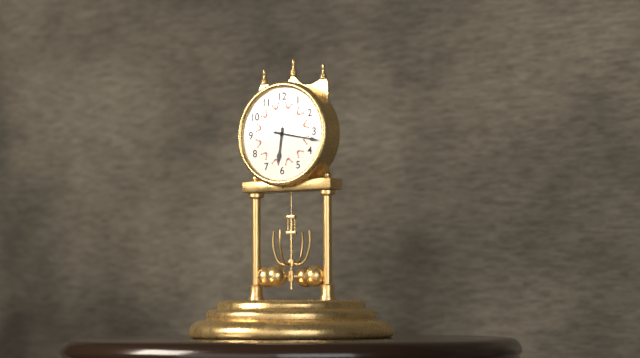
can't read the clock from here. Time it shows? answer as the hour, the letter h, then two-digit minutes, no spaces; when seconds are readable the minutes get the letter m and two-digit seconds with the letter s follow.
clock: 6h17
